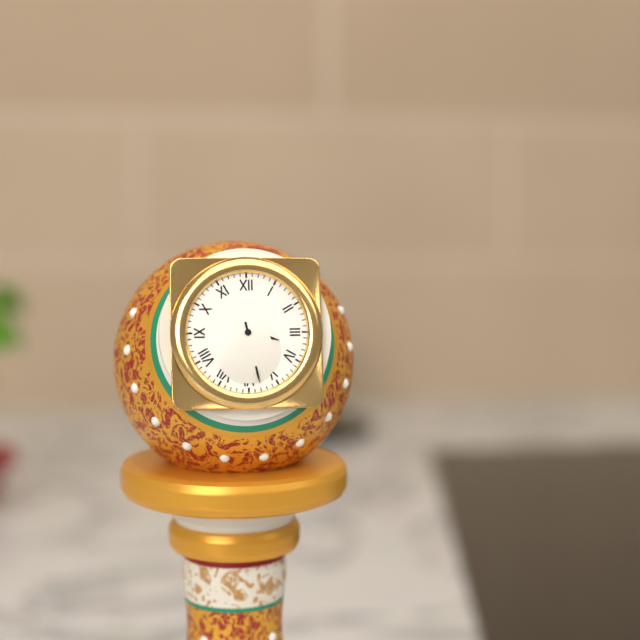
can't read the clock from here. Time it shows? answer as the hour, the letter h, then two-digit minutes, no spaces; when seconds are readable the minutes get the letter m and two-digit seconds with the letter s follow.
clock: 3h28
